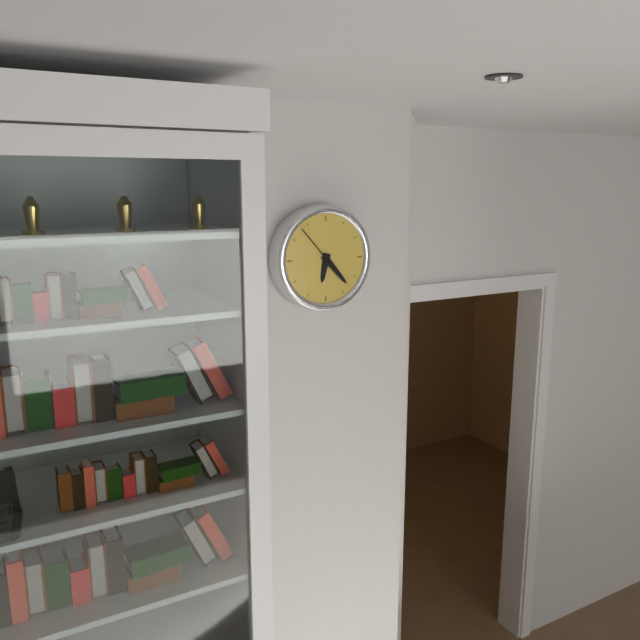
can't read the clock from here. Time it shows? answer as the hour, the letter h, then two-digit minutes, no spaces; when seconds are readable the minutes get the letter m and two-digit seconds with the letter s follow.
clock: 6h23
